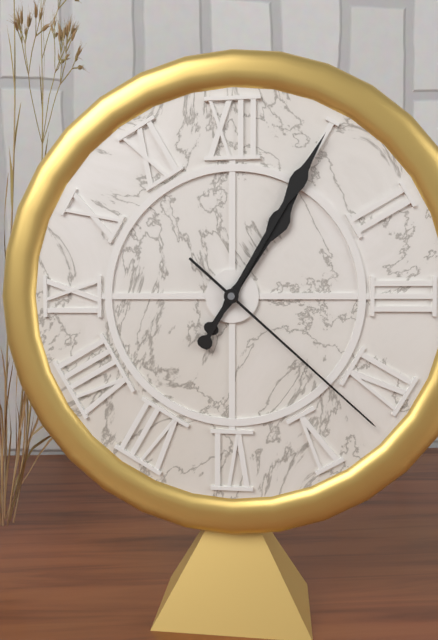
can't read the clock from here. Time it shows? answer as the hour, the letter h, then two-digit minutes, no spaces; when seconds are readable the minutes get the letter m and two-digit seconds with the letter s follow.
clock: 1h05m22s
